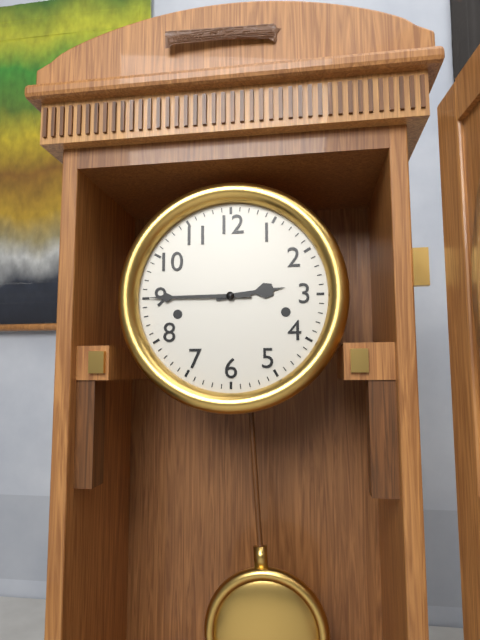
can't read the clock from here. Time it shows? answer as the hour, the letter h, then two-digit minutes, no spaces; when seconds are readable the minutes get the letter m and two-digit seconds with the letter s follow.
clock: 2h45
